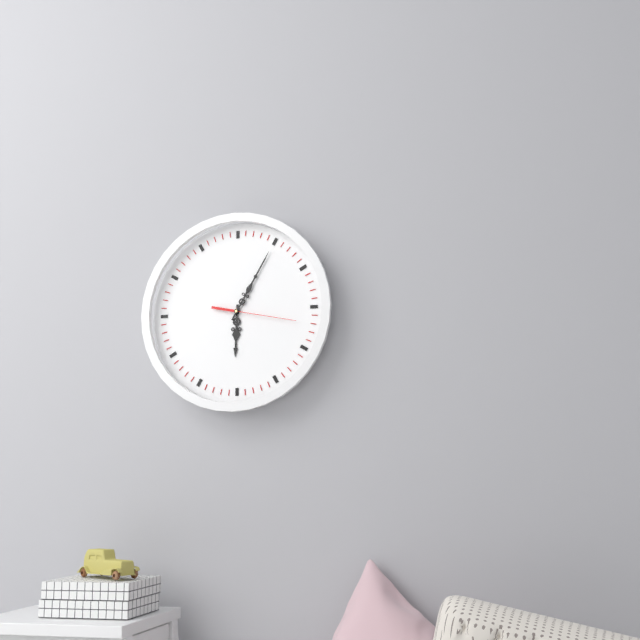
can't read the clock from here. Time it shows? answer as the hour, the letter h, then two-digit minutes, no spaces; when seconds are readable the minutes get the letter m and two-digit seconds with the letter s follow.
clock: 6h05m17s
